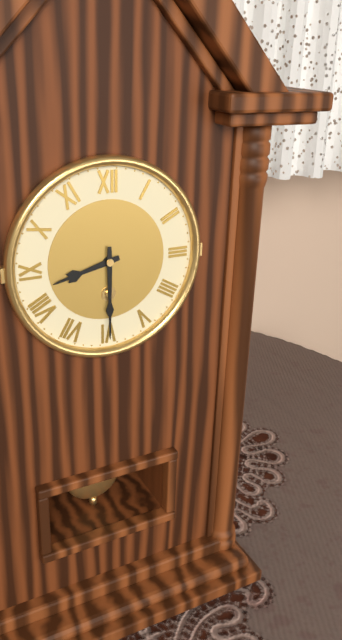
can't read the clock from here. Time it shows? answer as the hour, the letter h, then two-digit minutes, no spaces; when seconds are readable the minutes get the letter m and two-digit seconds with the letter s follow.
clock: 8h30
